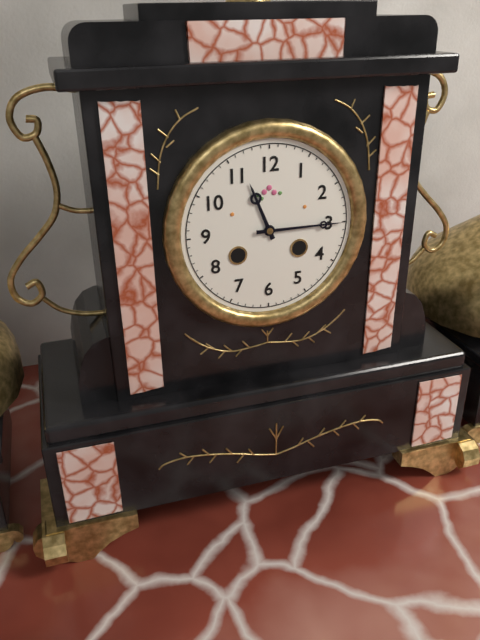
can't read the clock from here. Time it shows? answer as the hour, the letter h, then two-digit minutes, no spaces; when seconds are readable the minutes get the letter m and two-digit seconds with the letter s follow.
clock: 11h15
